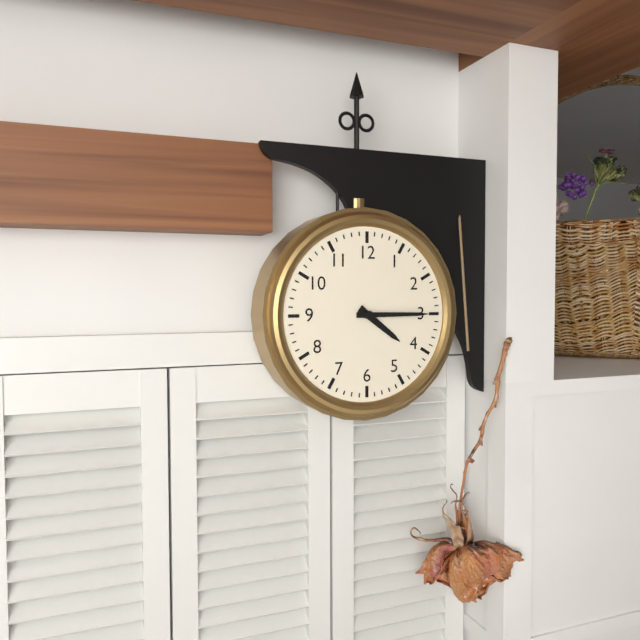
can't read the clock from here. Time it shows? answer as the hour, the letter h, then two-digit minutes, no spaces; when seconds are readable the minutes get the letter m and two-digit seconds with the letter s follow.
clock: 4h15
